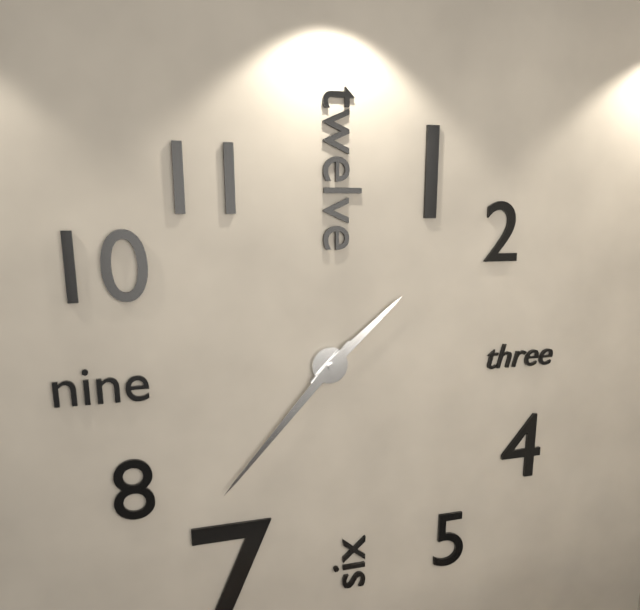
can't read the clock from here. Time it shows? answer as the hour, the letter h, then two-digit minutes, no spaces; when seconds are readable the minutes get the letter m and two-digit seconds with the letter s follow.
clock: 1h37
